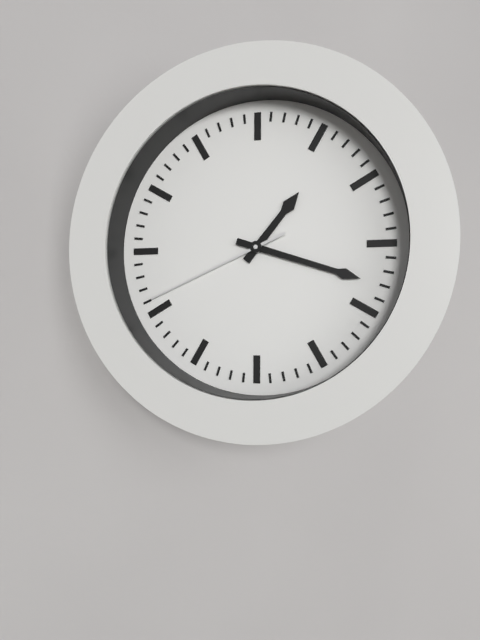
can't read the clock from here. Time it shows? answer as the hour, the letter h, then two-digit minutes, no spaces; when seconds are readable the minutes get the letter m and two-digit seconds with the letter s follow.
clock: 1h18m41s
